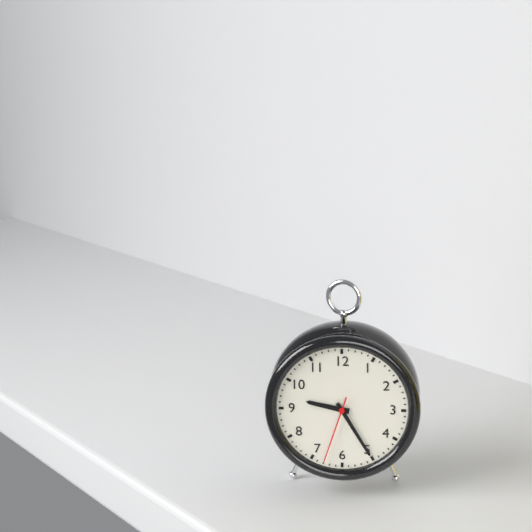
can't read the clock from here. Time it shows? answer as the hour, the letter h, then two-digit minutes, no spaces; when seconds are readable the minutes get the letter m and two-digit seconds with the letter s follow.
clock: 9h25m33s
